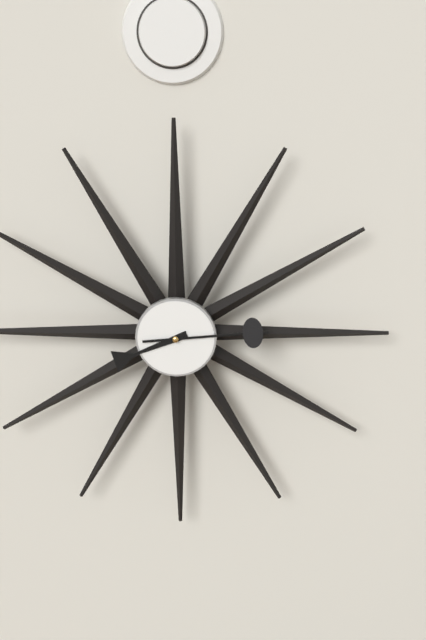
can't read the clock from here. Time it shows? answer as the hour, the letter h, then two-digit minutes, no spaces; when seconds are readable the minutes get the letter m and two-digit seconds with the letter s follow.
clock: 8h14
